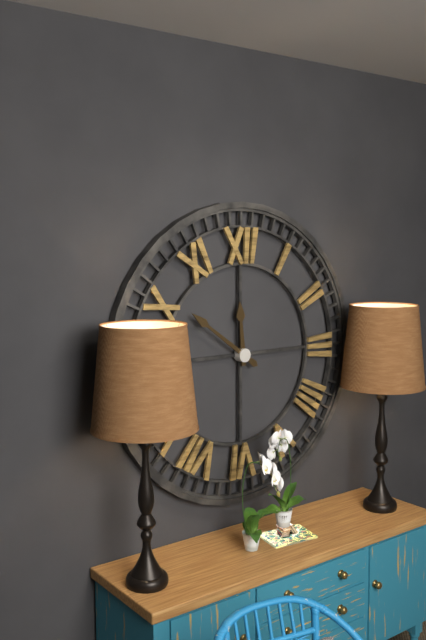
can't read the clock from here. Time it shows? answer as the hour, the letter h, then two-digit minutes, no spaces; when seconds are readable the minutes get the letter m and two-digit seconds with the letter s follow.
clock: 11h51
